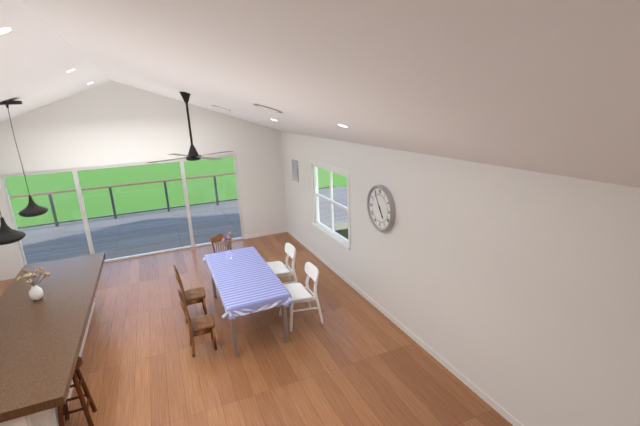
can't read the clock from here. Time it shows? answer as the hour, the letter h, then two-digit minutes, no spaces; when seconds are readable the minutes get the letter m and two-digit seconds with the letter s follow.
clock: 4h55
